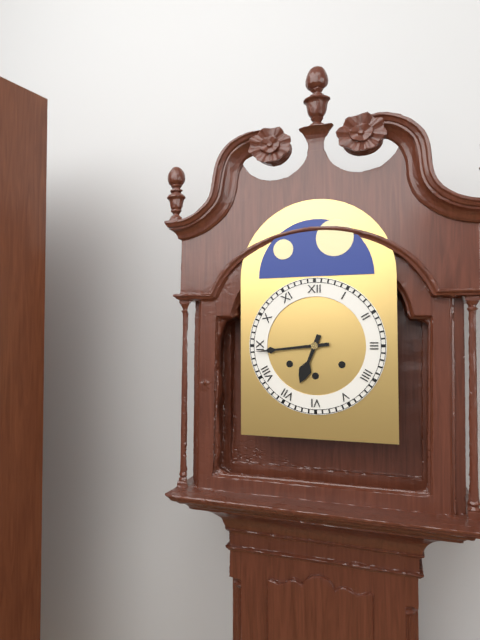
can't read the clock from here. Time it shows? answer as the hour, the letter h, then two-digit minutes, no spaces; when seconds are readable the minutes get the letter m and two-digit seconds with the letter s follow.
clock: 6h44
